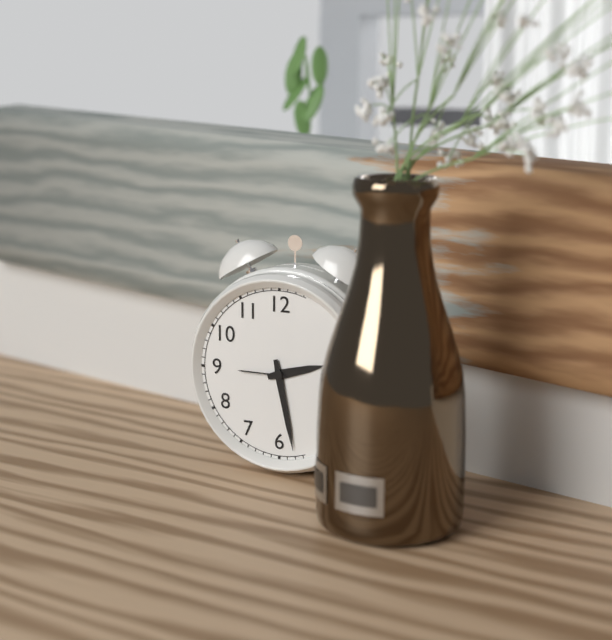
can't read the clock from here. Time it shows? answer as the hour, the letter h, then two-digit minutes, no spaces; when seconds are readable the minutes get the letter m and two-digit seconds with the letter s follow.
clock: 2h28
